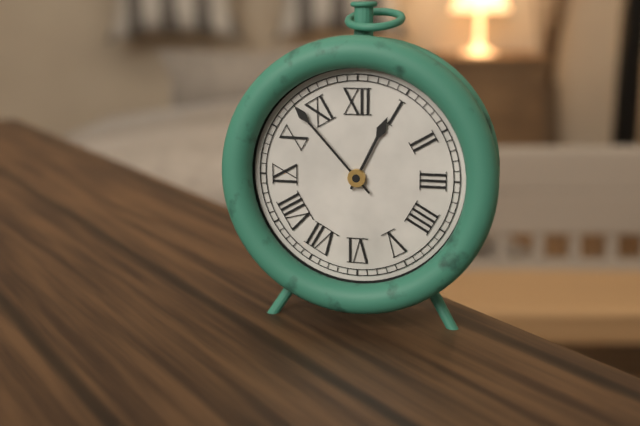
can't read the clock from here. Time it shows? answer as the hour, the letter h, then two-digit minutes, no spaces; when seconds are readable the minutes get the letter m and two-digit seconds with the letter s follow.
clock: 12h53
